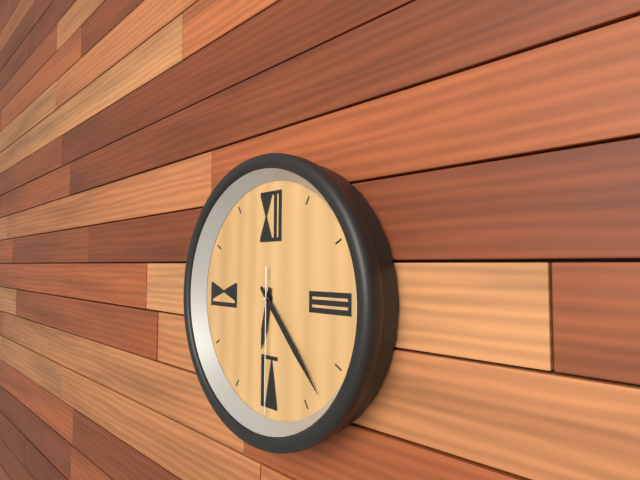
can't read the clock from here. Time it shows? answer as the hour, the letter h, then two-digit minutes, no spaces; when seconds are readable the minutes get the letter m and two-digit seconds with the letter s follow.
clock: 6h23m30s
